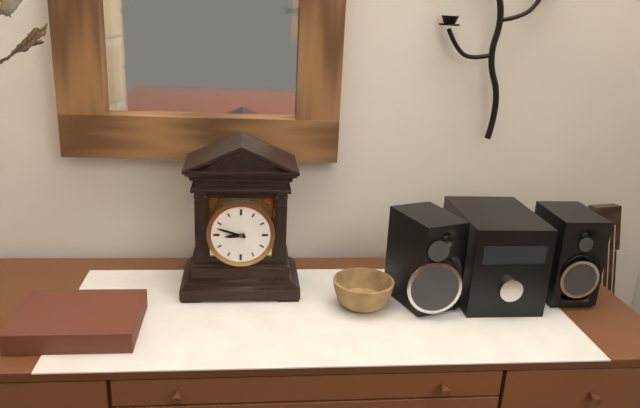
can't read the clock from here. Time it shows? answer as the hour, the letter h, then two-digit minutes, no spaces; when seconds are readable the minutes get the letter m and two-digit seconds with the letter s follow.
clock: 8h48
